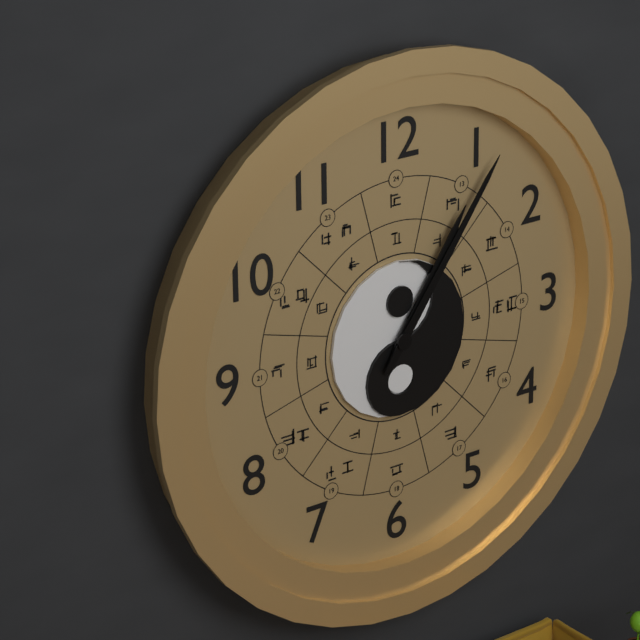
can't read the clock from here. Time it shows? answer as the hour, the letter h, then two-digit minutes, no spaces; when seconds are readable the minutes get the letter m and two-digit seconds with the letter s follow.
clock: 1h06
